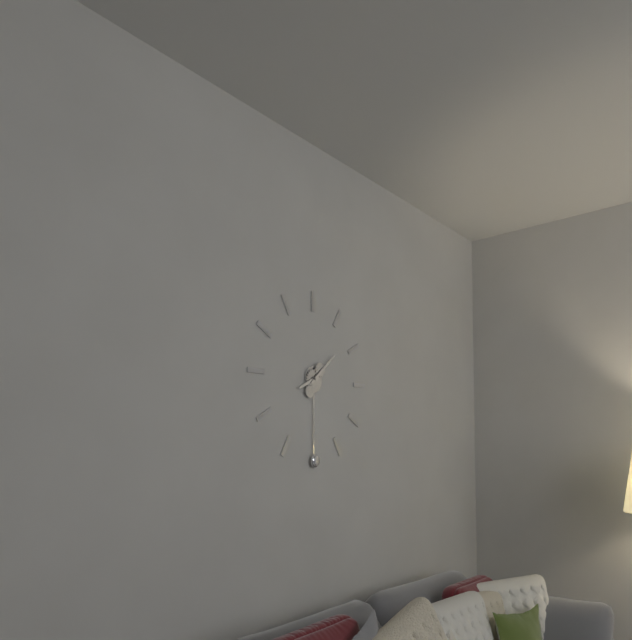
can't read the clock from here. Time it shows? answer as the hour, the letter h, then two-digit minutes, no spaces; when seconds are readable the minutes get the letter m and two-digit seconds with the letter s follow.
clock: 8h08
